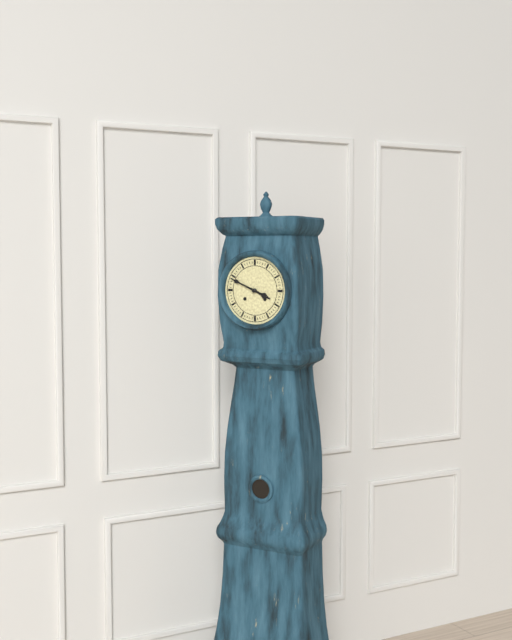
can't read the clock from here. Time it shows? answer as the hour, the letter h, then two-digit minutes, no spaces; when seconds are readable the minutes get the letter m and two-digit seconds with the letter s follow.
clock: 3h49
